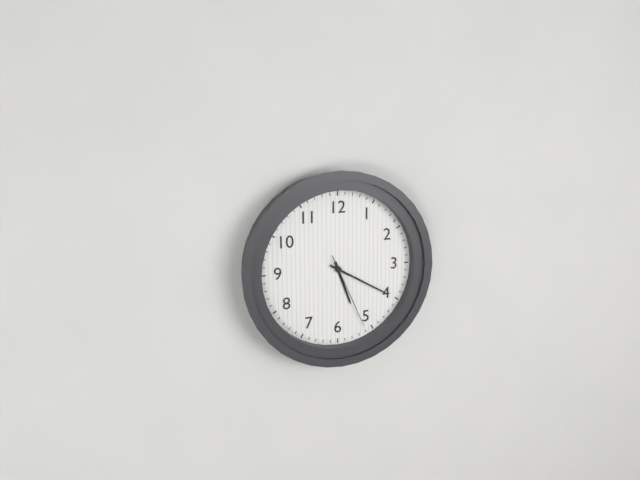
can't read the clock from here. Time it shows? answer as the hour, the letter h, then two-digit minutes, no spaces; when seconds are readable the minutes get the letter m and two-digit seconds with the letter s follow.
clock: 5h20m26s
